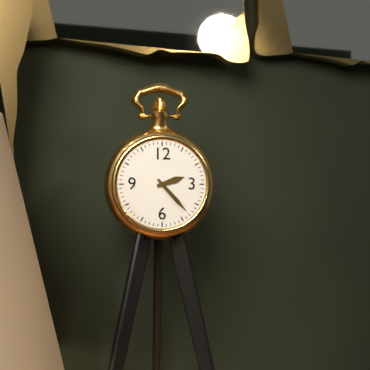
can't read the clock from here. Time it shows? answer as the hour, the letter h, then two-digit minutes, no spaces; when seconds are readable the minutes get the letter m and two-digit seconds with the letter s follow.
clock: 2h23
